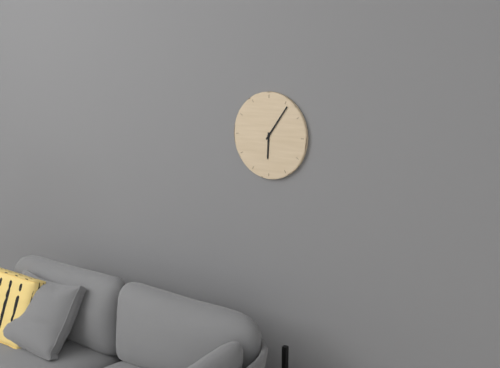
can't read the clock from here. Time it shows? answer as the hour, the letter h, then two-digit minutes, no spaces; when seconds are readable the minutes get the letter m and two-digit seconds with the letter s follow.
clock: 6h06
